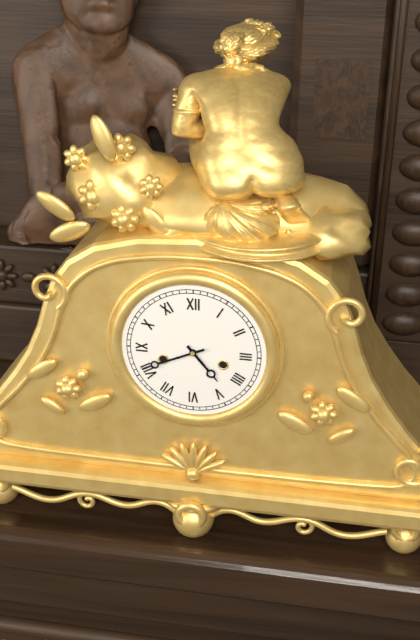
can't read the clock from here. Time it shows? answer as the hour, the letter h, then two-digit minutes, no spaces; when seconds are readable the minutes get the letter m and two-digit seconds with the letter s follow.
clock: 4h41
